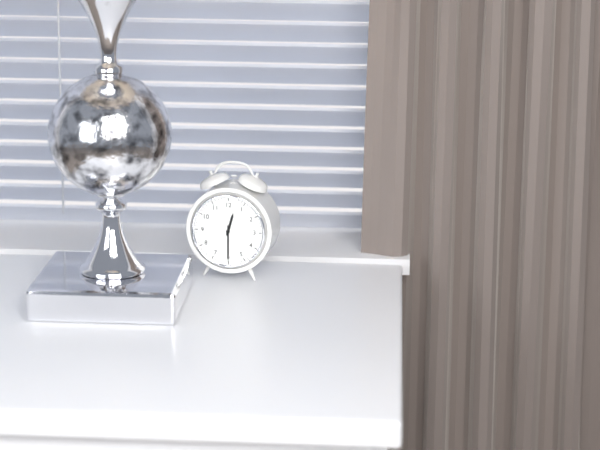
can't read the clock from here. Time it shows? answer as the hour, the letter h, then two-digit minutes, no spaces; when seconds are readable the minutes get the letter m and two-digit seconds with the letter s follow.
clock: 12h30
